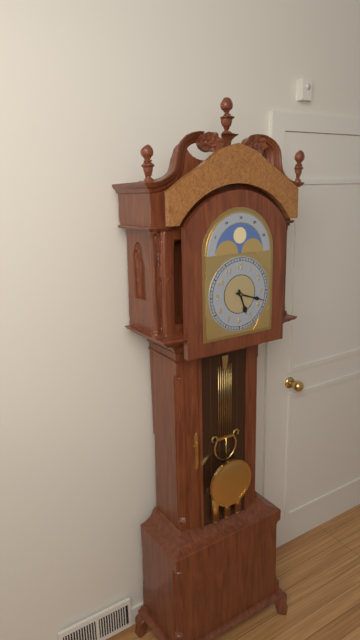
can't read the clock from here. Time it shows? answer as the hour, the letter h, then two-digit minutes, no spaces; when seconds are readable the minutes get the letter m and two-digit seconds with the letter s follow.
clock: 5h18
